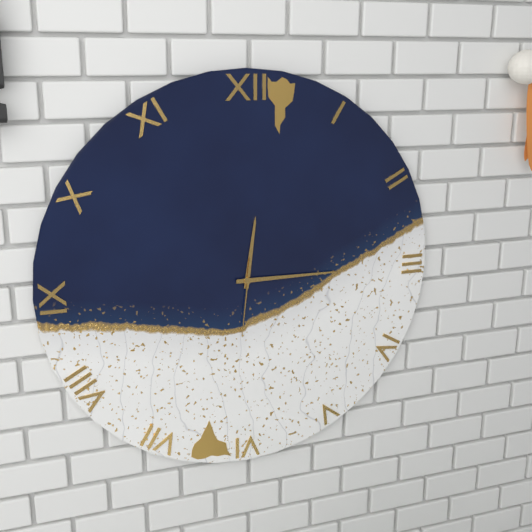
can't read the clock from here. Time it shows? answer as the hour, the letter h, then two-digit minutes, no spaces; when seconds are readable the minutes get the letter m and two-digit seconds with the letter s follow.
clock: 12h15m31s
